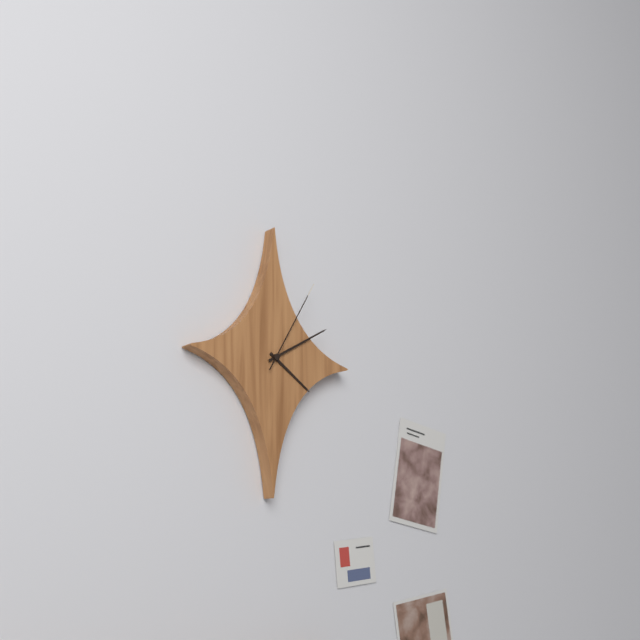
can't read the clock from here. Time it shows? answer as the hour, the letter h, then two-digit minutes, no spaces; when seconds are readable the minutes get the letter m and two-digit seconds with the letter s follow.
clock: 4h10m05s
